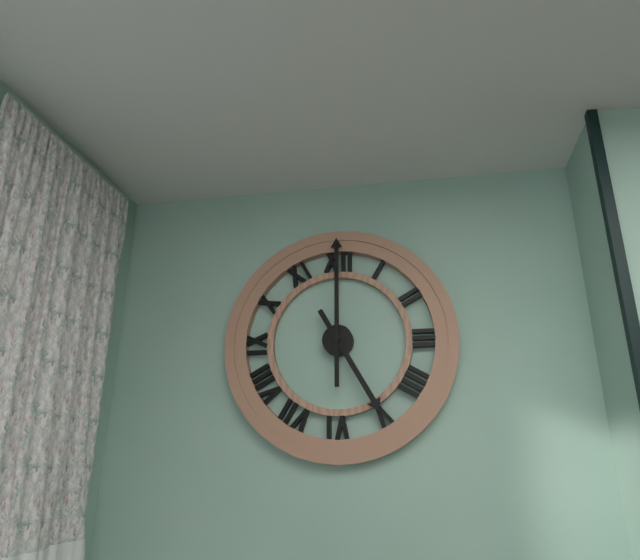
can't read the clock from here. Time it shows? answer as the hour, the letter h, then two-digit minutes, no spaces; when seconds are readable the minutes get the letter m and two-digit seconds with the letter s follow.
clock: 5h00
